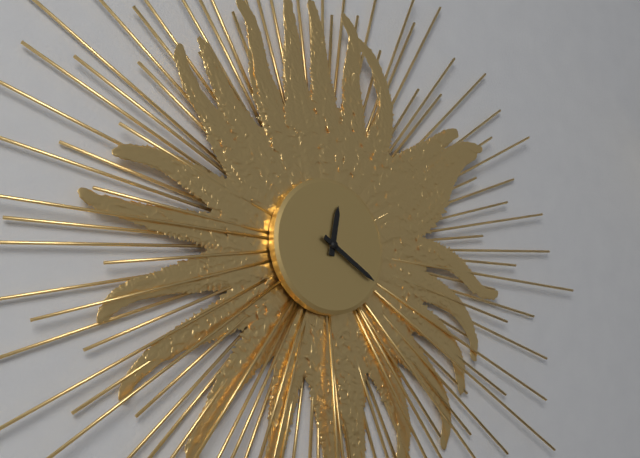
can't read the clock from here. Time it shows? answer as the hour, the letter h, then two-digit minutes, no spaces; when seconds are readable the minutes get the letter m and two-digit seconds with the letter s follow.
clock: 12h20
